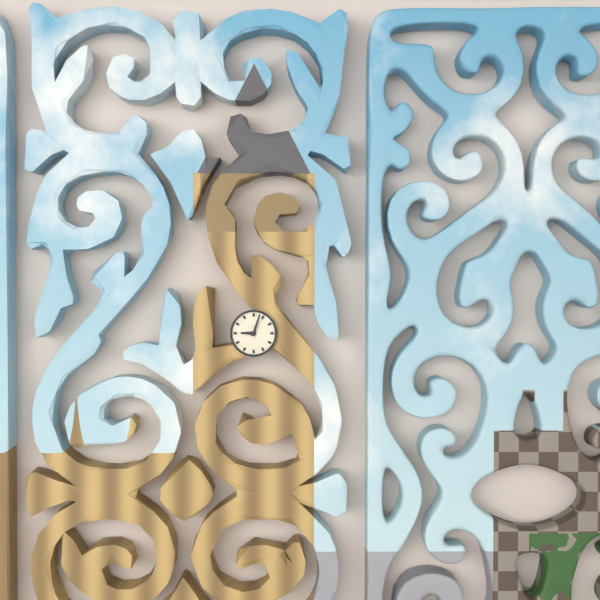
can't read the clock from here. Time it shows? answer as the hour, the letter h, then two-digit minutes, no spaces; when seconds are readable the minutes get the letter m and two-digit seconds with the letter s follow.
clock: 9h03
